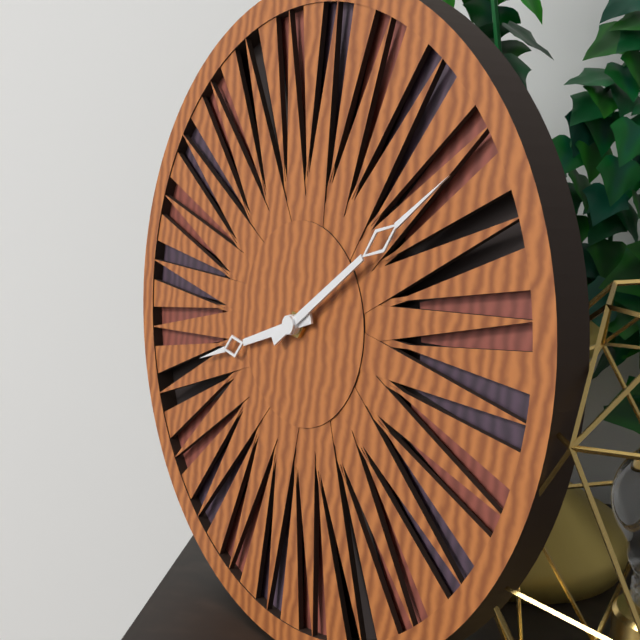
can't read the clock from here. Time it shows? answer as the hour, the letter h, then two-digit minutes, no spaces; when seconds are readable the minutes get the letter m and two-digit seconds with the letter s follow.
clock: 8h08
